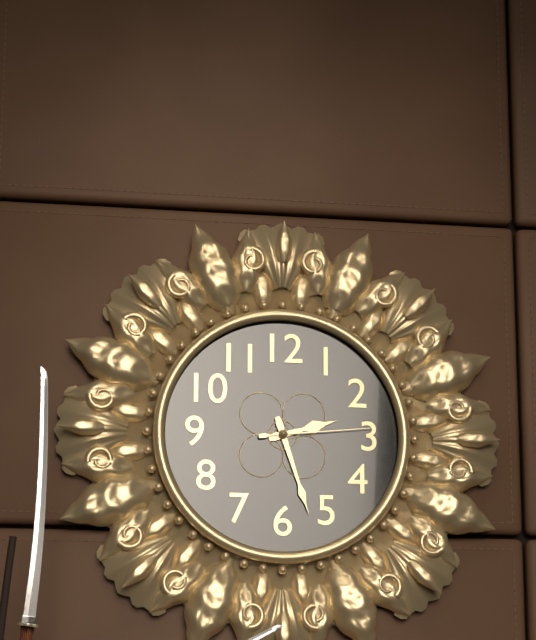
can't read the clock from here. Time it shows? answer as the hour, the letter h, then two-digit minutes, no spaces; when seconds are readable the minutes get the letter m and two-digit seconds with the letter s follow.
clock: 2h27m14s
